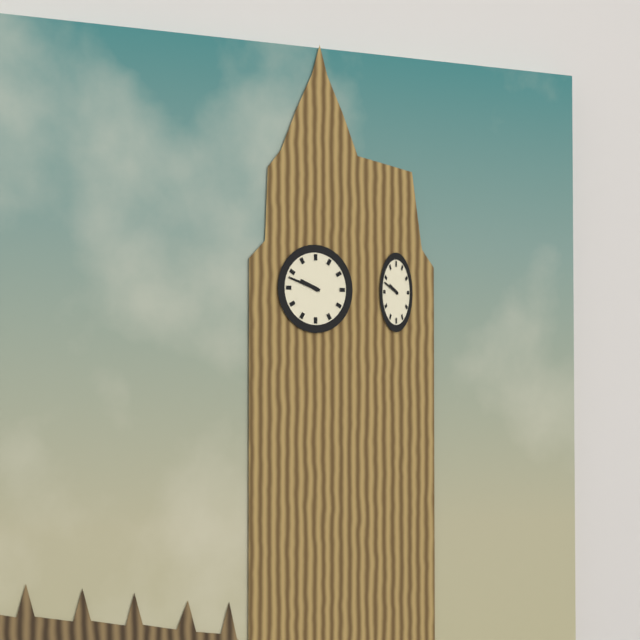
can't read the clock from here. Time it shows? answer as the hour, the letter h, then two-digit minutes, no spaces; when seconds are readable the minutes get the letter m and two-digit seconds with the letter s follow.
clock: 9h48
